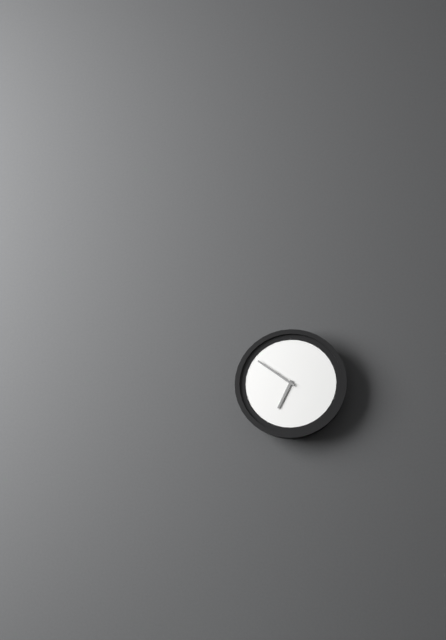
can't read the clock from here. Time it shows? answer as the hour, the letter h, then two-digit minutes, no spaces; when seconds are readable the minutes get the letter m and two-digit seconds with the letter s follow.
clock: 6h51
